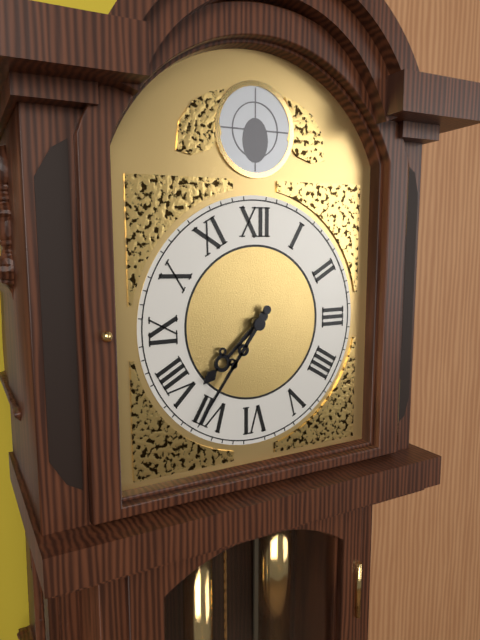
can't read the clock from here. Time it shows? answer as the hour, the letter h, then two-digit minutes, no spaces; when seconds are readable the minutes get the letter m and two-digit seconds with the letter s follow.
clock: 7h36
